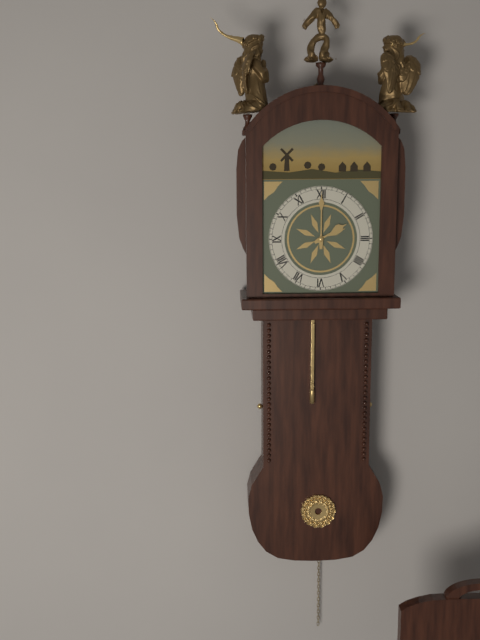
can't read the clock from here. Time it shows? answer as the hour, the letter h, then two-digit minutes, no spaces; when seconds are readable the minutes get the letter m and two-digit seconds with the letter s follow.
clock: 2h00
